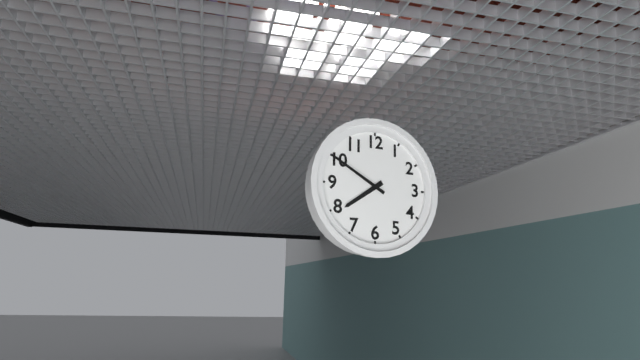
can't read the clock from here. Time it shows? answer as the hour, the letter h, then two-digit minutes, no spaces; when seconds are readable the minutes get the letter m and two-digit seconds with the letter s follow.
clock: 7h50
